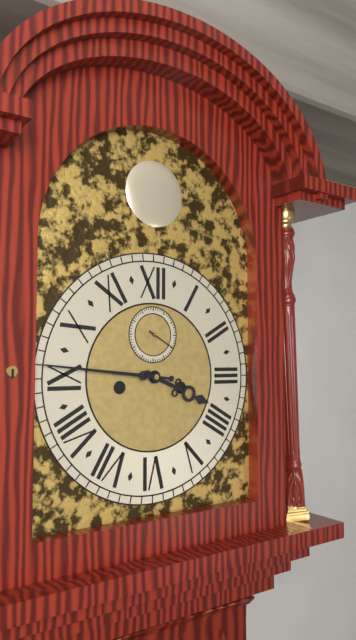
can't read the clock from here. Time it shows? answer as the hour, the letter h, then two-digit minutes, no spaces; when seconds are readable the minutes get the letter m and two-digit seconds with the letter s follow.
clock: 3h46
